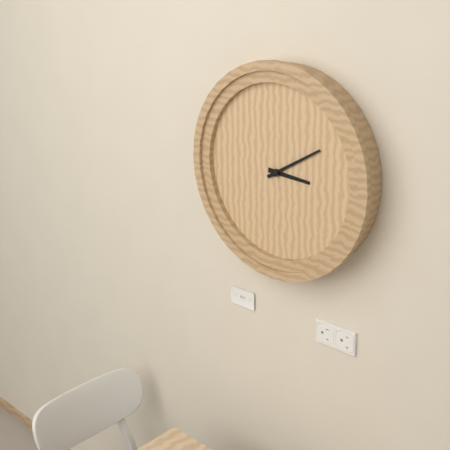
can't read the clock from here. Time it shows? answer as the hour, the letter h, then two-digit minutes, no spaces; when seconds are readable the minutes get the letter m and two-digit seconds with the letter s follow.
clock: 3h10
